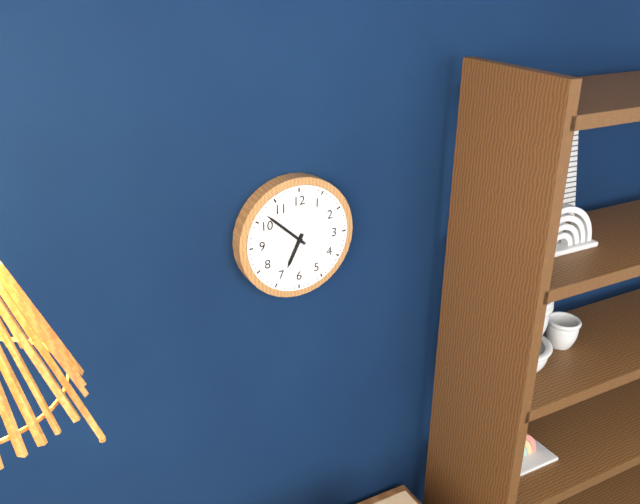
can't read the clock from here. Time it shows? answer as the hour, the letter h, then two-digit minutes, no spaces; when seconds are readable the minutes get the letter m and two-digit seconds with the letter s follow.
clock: 6h52
